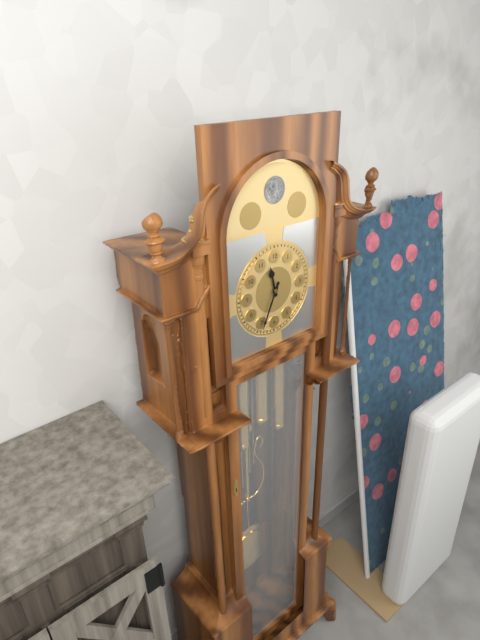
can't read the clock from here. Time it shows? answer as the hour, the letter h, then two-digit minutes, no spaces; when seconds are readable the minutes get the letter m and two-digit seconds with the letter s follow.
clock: 11h34
